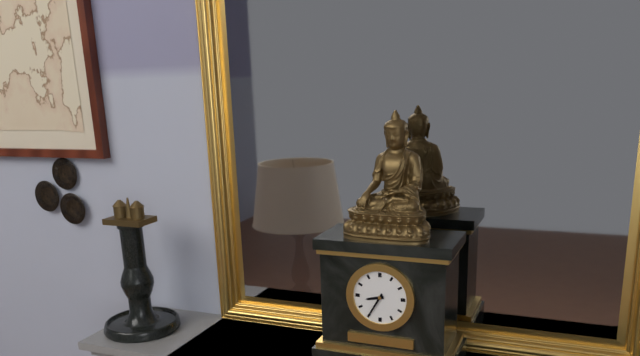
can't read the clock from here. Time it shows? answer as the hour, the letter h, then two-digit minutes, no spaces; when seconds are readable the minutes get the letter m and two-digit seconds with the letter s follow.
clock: 8h35
